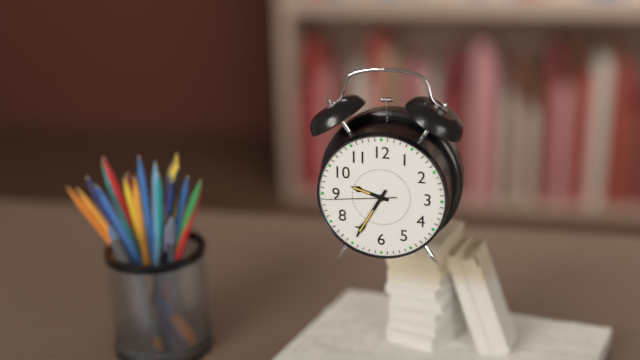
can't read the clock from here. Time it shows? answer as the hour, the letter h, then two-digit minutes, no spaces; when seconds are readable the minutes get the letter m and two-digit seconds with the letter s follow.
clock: 9h35m44s
